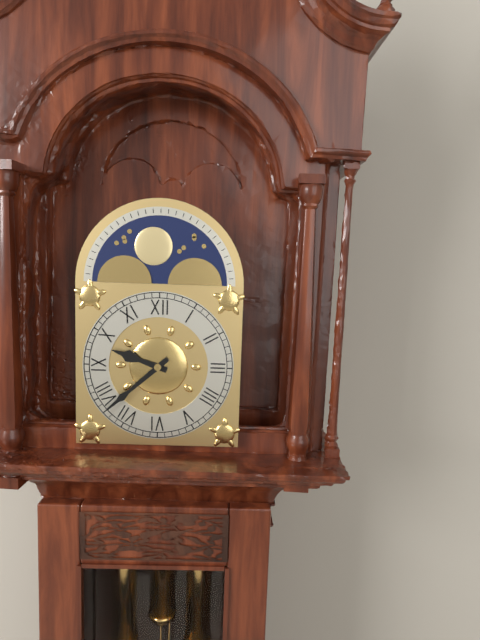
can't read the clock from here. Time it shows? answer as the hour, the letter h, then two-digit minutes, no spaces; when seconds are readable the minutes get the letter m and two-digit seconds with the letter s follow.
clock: 9h38
